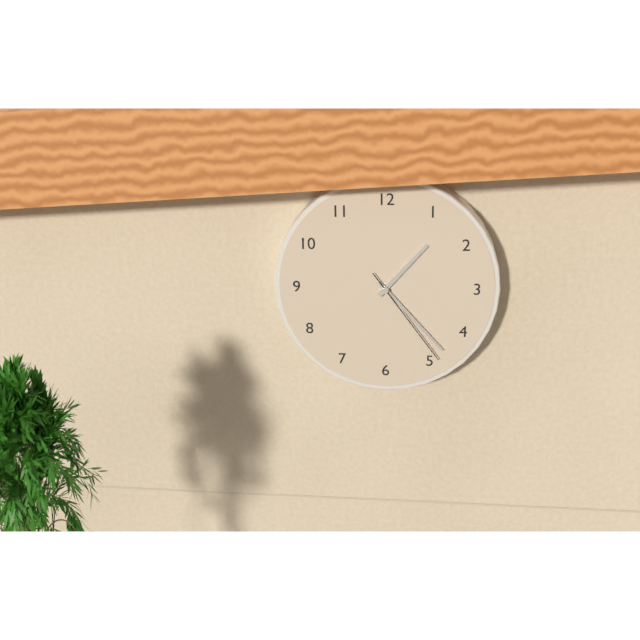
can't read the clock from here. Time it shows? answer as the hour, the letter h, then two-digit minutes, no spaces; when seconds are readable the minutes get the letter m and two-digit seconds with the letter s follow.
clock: 1h23m24s
